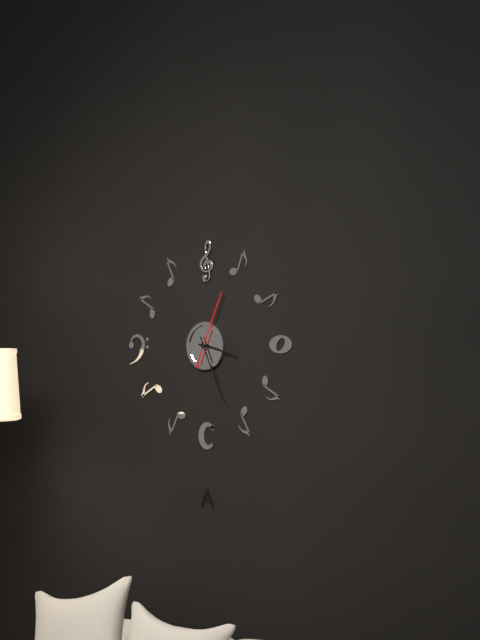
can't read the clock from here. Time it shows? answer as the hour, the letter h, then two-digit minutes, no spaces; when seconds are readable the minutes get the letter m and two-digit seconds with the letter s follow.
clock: 3h26m04s
